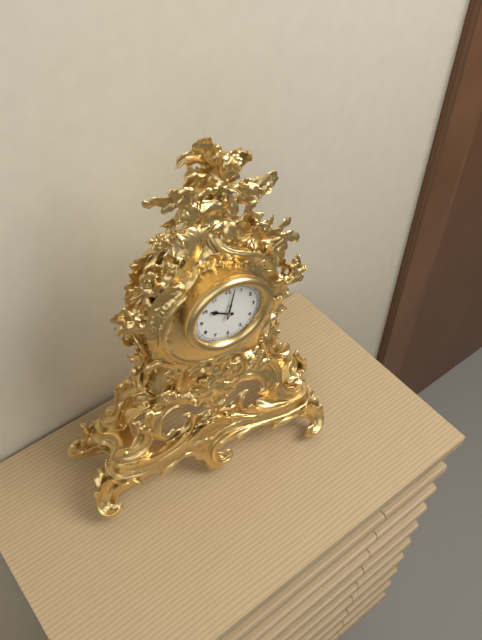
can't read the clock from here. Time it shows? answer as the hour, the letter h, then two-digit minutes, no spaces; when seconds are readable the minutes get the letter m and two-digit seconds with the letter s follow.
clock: 10h02
